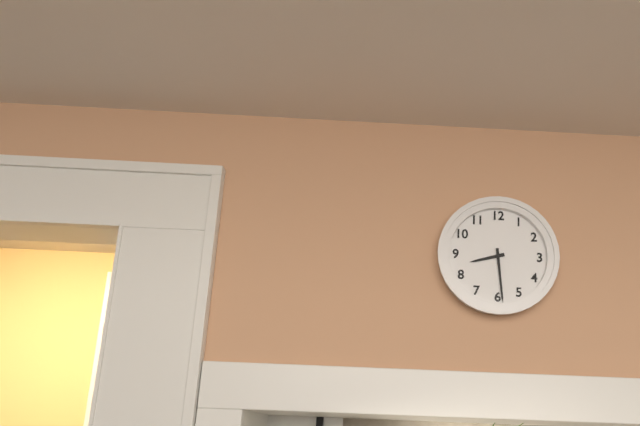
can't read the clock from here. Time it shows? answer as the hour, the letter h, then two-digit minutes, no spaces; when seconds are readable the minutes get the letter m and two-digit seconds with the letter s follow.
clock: 8h29
